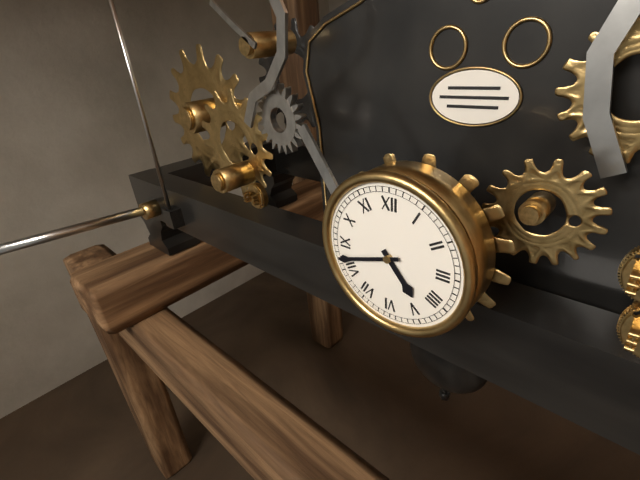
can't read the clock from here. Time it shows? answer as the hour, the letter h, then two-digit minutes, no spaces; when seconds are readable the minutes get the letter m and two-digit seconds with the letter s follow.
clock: 4h42
